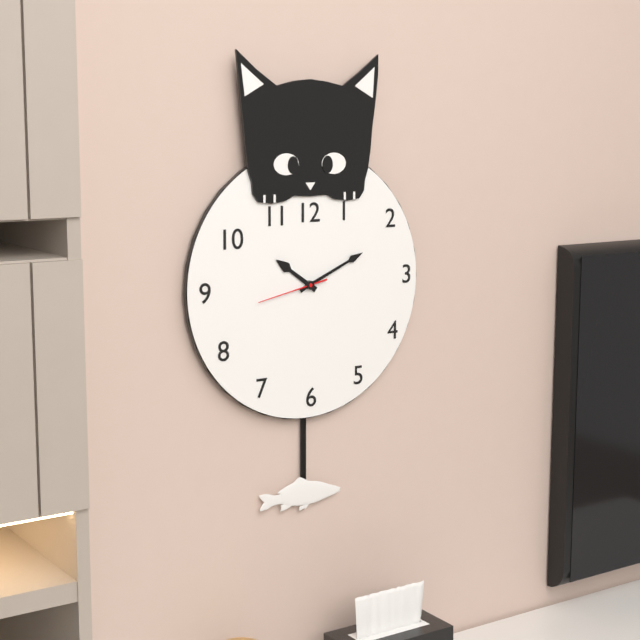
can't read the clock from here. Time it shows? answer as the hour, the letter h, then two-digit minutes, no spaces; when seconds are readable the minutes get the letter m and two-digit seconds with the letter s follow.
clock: 10h11m43s
